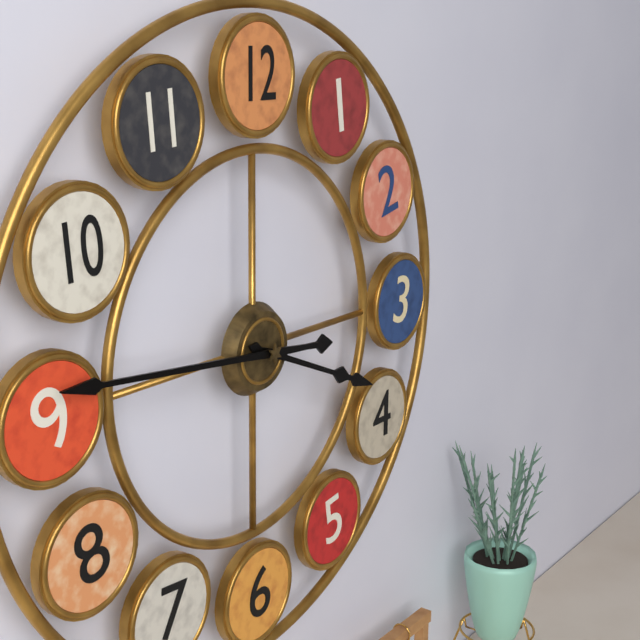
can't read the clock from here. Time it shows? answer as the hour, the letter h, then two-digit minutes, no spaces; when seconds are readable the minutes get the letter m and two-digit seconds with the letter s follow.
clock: 3h46
